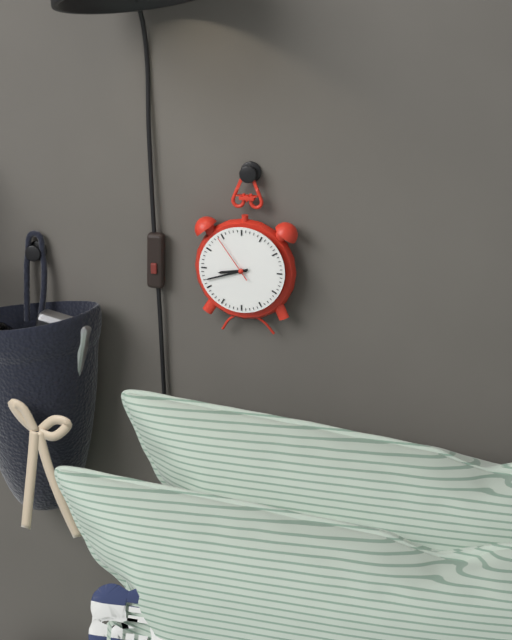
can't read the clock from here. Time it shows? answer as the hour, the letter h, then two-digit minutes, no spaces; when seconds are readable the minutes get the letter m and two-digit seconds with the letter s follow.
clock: 8h42m54s
